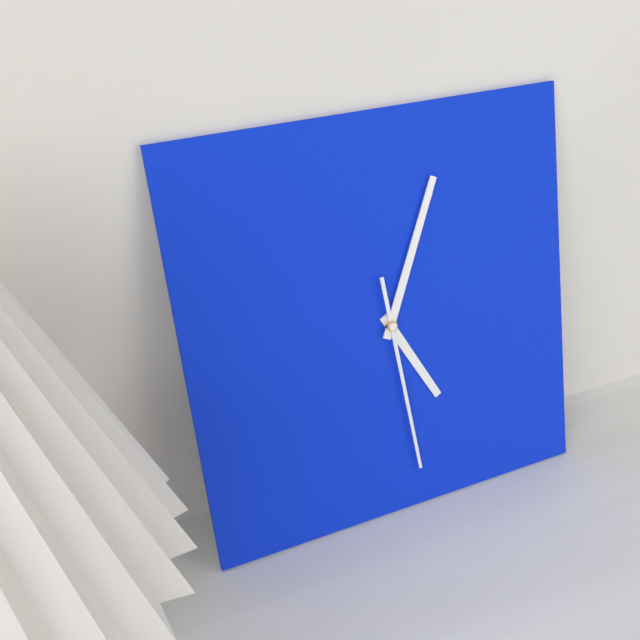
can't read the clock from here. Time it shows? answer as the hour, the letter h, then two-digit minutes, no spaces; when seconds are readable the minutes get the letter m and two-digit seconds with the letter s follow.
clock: 5h04m29s
